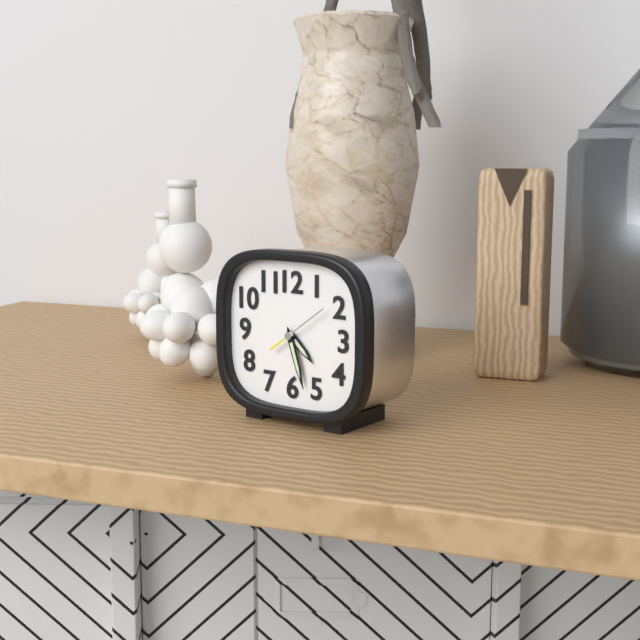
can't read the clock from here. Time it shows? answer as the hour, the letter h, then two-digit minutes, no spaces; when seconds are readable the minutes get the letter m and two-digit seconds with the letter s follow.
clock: 4h27m09s
